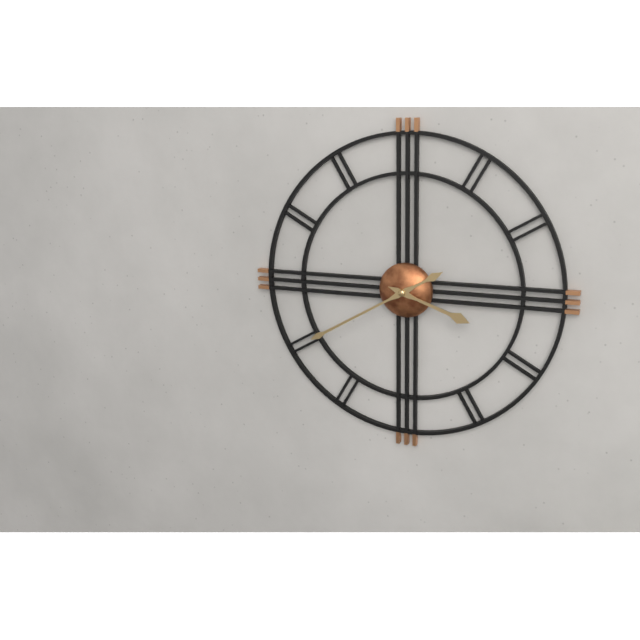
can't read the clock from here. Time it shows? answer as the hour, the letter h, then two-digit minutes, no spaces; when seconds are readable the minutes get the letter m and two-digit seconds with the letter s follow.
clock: 3h40
